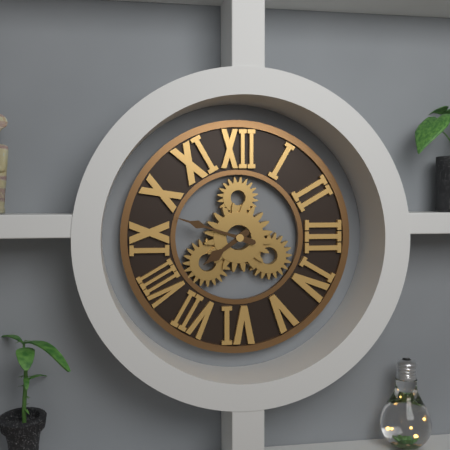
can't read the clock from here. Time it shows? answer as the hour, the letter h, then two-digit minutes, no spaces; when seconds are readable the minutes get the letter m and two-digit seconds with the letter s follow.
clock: 7h48
